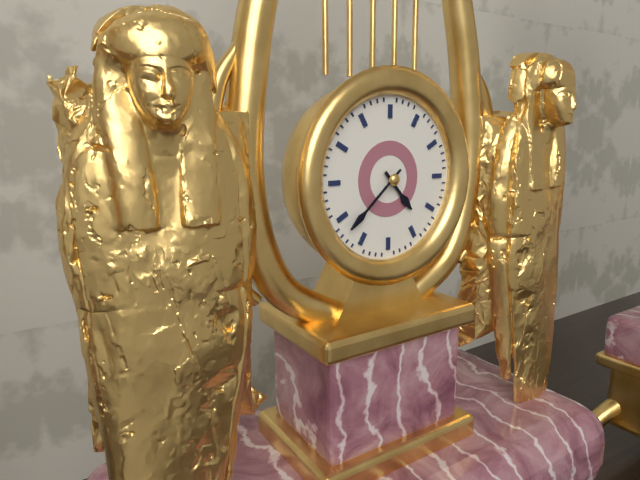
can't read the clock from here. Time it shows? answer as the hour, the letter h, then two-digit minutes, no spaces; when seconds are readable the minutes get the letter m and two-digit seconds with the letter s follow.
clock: 4h38
